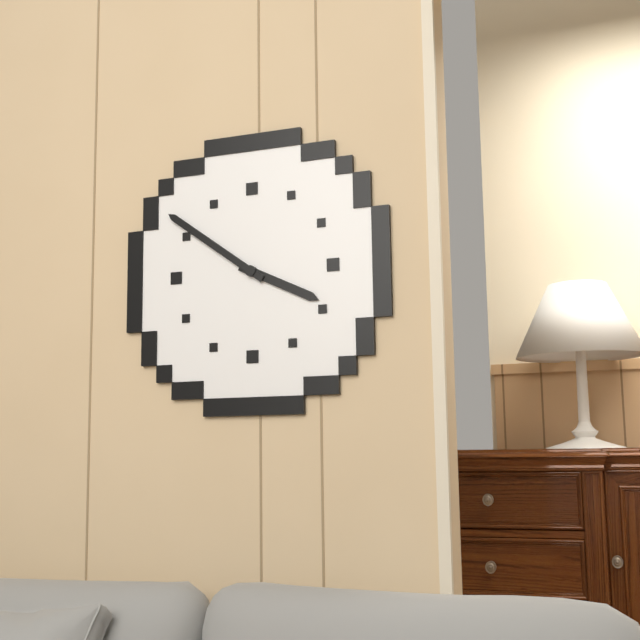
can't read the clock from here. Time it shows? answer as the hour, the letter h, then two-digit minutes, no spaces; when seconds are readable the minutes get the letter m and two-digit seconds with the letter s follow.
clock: 3h51
